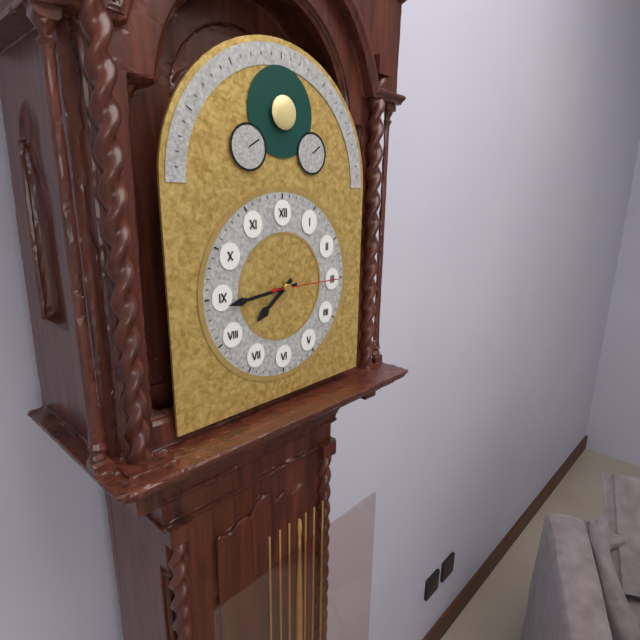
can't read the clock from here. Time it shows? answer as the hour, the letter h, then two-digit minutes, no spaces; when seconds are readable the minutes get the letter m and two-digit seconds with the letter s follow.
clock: 7h44m15s
